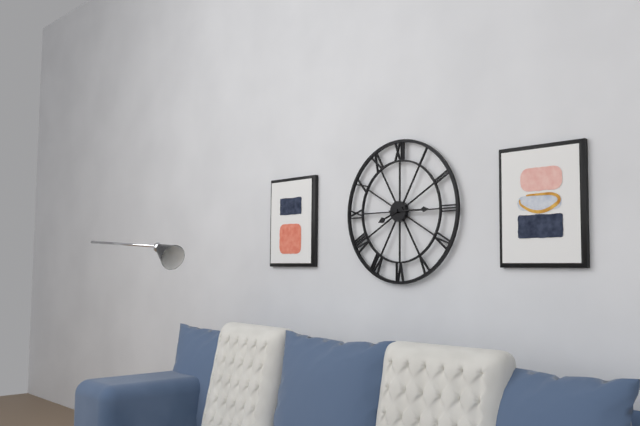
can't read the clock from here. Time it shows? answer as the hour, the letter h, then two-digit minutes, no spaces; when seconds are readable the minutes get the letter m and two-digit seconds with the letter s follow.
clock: 8h15
